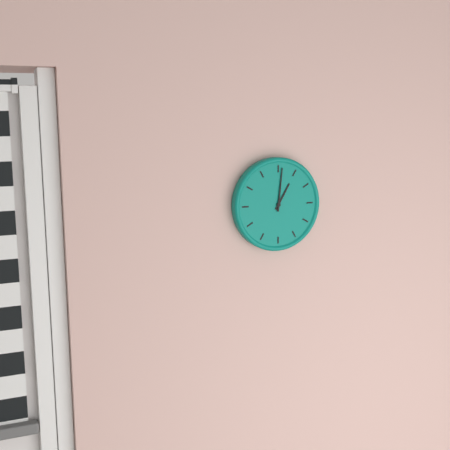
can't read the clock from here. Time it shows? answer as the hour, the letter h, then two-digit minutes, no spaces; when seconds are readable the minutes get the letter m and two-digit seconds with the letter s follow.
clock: 1h01
